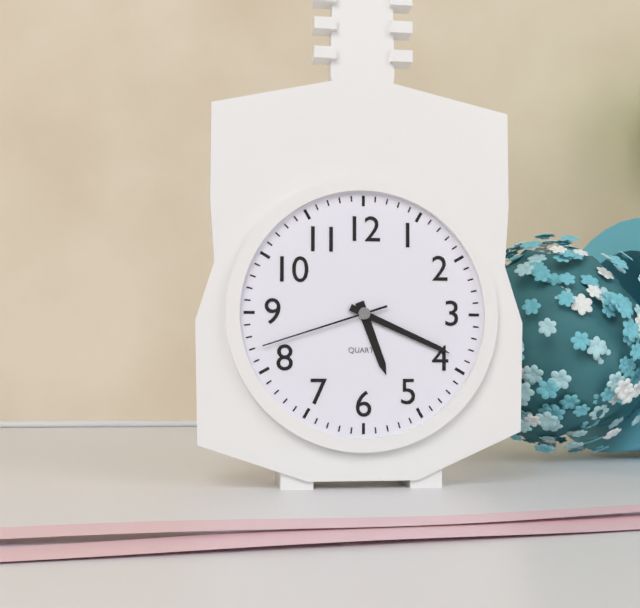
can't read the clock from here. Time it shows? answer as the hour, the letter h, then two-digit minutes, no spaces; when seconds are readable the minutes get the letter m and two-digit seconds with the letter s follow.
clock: 5h19m42s
